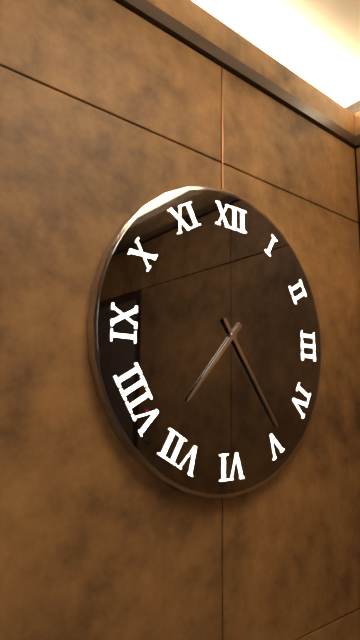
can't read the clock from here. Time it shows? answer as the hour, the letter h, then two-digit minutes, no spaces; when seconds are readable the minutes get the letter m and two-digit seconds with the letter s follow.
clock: 7h24
